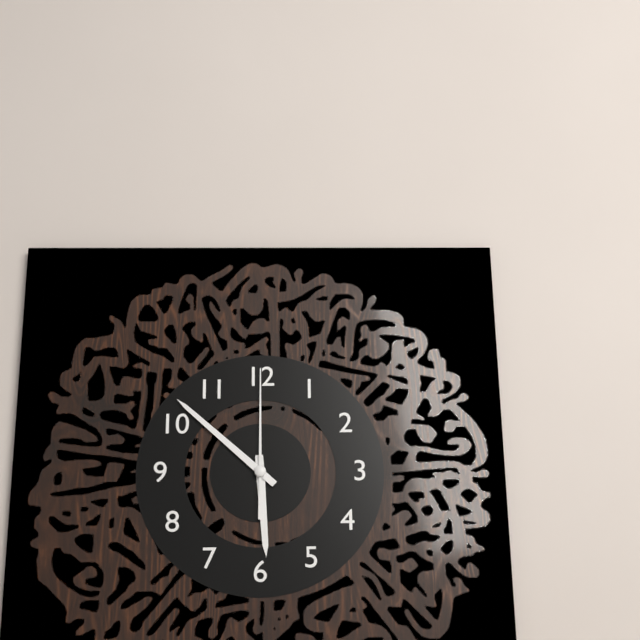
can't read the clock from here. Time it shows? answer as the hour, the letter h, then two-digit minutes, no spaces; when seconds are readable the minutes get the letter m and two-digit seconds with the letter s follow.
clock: 5h52m00s
